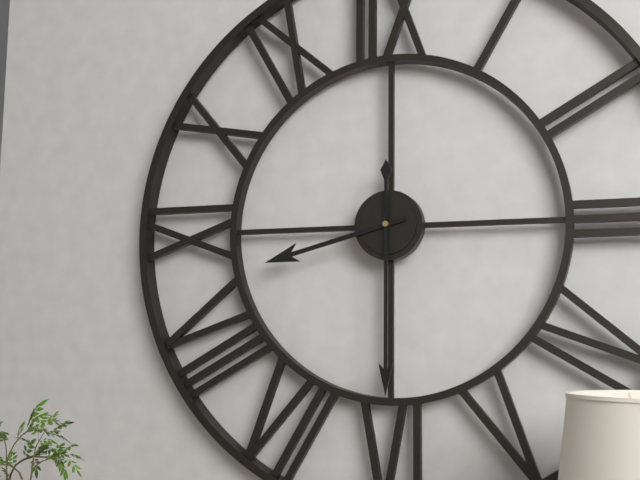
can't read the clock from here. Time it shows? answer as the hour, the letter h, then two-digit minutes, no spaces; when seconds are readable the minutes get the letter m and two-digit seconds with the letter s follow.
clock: 8h30
